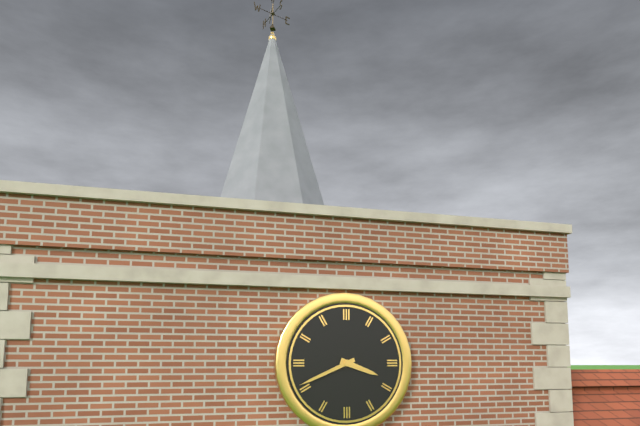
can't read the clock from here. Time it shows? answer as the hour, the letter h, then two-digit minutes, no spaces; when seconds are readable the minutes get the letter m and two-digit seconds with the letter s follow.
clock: 3h41
